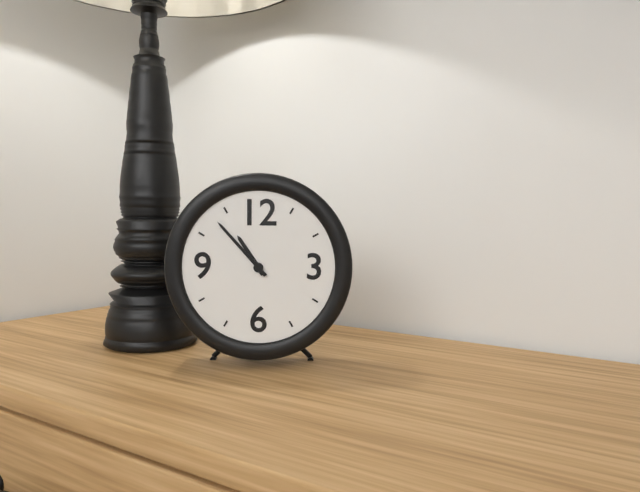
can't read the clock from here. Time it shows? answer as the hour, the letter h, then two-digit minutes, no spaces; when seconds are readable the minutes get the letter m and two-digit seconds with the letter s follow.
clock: 10h53
